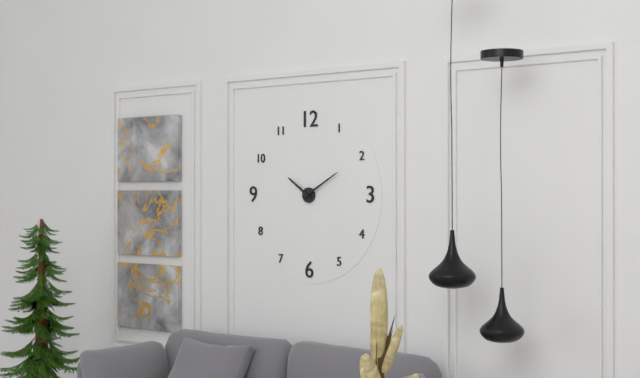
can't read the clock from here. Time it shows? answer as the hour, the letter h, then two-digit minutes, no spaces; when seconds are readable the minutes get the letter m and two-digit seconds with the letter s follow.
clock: 10h10
